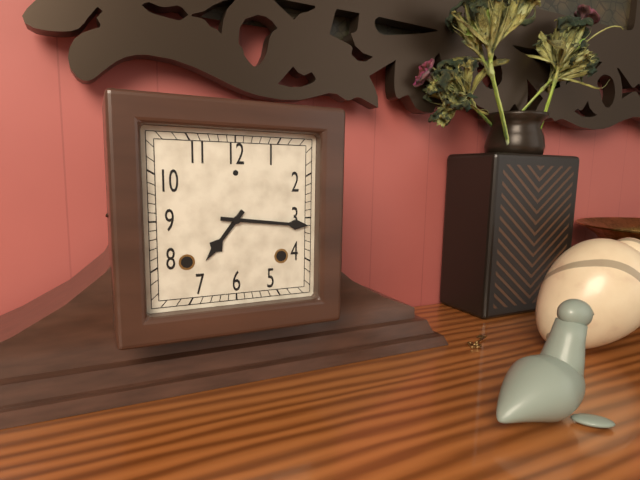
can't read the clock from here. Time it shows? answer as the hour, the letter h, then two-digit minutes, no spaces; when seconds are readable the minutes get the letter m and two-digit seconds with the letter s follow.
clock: 7h16
